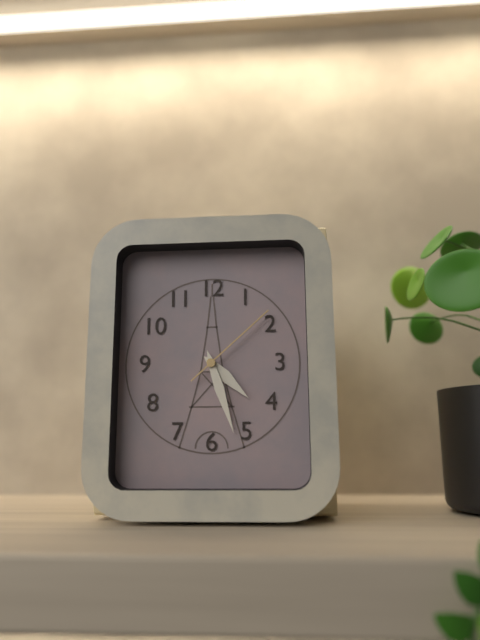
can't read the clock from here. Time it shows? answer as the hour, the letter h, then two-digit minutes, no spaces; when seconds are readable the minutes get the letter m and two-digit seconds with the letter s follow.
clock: 4h27m08s
